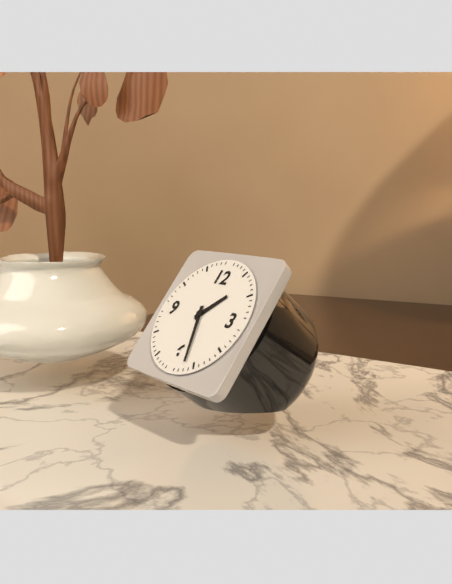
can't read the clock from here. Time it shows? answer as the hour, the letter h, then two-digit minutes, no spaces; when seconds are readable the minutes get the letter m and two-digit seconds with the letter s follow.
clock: 1h27
